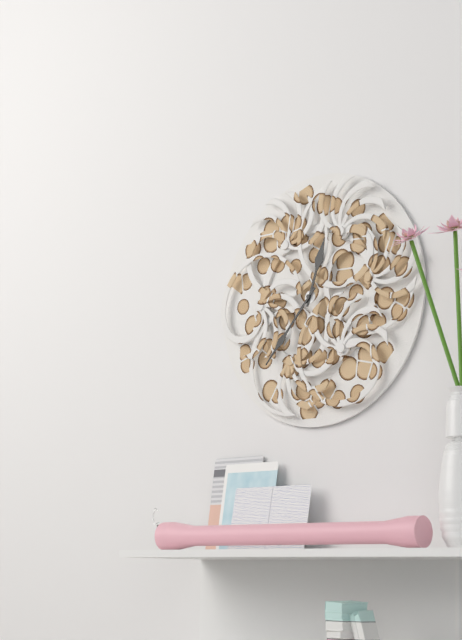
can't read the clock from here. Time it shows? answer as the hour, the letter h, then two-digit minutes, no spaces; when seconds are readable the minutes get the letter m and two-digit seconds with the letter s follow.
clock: 12h37
